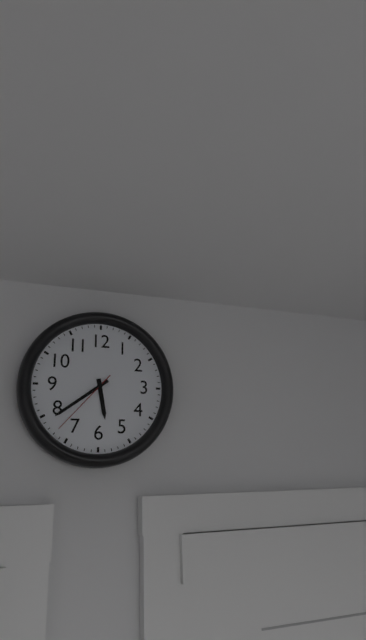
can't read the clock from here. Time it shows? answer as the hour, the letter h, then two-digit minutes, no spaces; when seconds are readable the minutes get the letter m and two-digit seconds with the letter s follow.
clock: 5h39m37s
